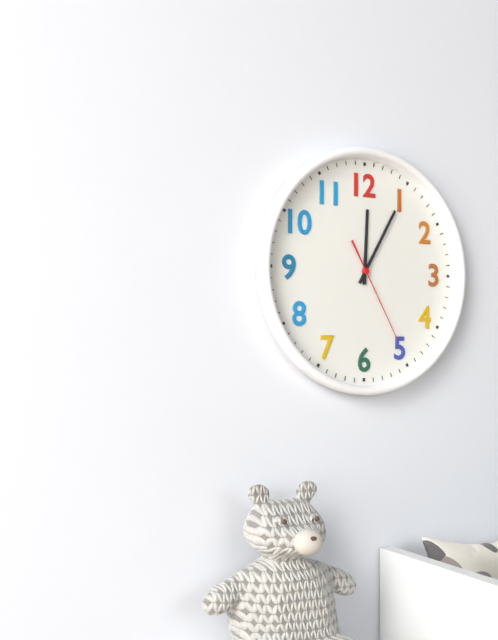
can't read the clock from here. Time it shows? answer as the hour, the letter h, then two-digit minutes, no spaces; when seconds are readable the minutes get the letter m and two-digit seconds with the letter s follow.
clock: 12h05m25s
